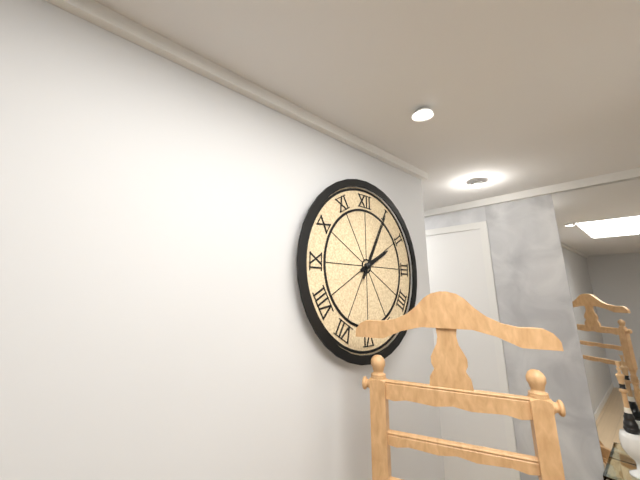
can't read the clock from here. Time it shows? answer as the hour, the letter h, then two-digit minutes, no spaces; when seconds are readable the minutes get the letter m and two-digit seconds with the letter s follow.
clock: 2h05
